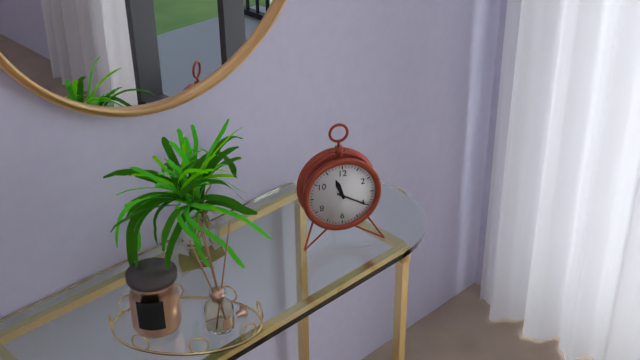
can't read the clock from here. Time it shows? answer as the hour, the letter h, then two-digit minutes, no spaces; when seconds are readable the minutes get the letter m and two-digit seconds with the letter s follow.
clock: 11h20
